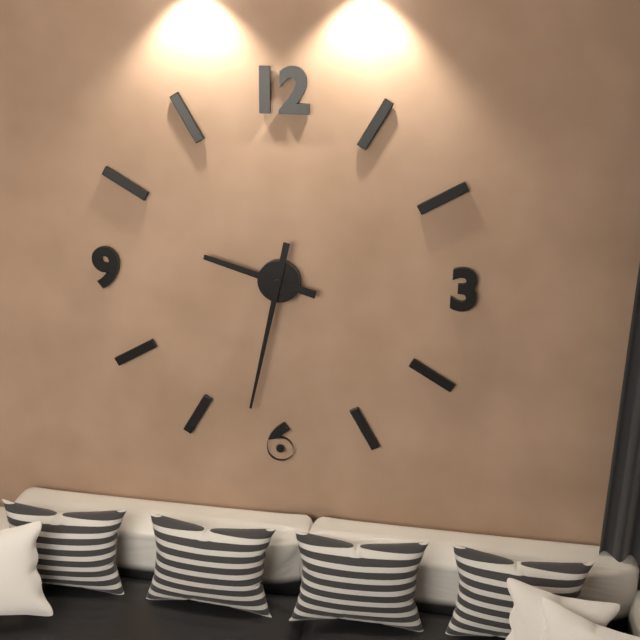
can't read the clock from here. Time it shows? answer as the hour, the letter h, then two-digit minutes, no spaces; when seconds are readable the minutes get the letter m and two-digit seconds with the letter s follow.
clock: 9h32
